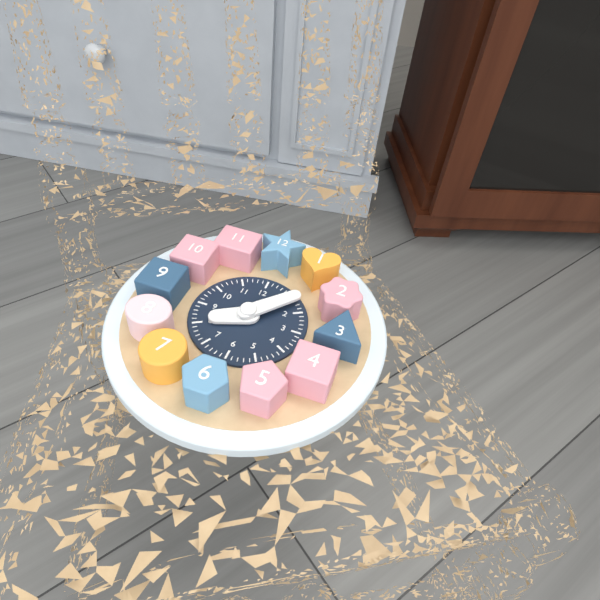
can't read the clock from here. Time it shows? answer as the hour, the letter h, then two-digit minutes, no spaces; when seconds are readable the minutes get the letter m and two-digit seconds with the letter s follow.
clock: 8h07
